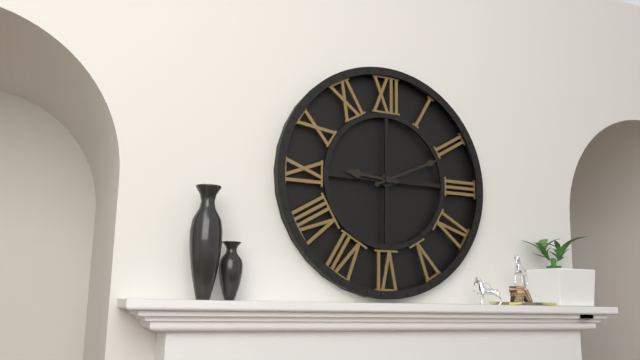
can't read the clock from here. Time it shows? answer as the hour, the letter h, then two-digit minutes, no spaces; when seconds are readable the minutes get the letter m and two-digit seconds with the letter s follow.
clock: 9h11
